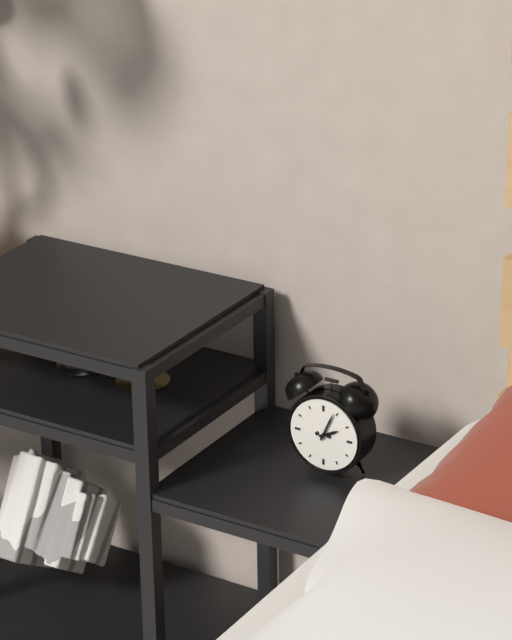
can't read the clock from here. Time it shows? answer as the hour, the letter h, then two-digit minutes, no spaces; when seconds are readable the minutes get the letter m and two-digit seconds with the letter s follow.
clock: 2h04
